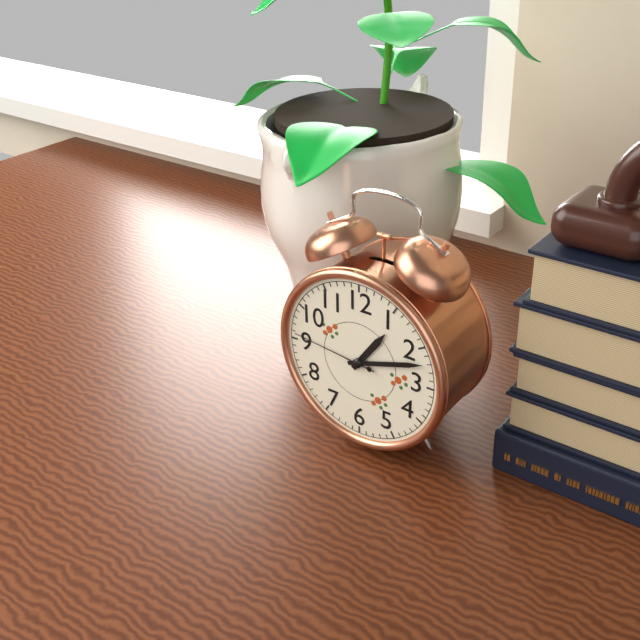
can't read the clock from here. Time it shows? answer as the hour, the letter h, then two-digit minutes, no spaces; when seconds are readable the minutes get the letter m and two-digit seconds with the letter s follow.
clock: 1h12m46s
